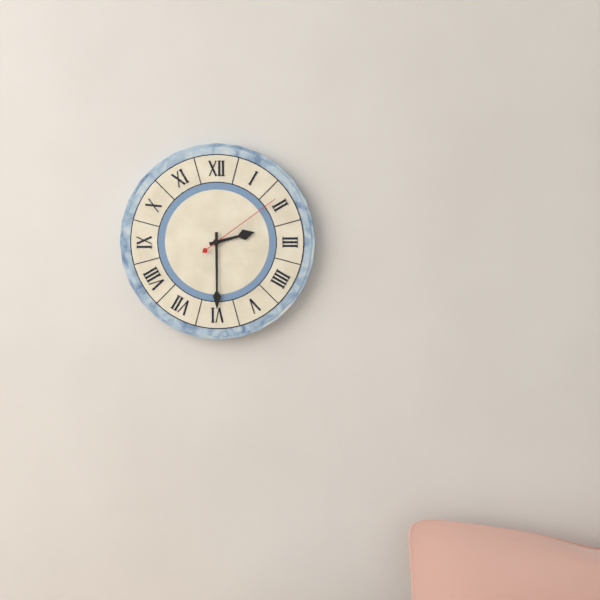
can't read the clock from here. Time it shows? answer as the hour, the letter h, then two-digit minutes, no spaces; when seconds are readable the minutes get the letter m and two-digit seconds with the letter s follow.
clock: 2h30m09s
